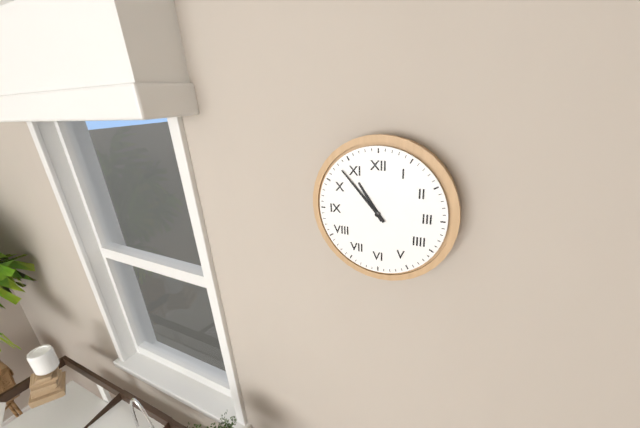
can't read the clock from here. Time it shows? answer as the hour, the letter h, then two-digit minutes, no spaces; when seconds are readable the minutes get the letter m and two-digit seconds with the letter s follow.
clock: 10h53
